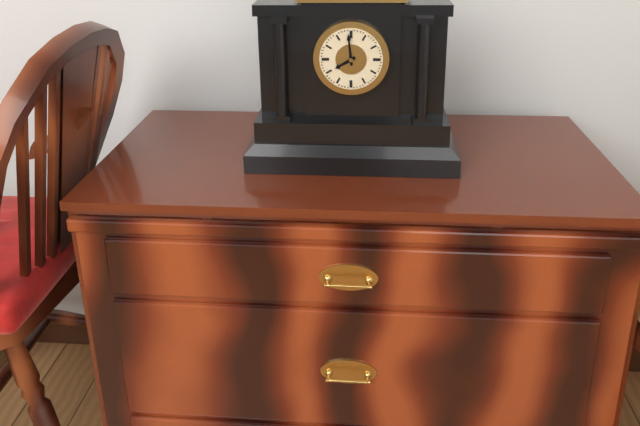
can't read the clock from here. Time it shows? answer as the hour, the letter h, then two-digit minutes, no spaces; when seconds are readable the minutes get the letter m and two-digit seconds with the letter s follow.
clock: 7h59
